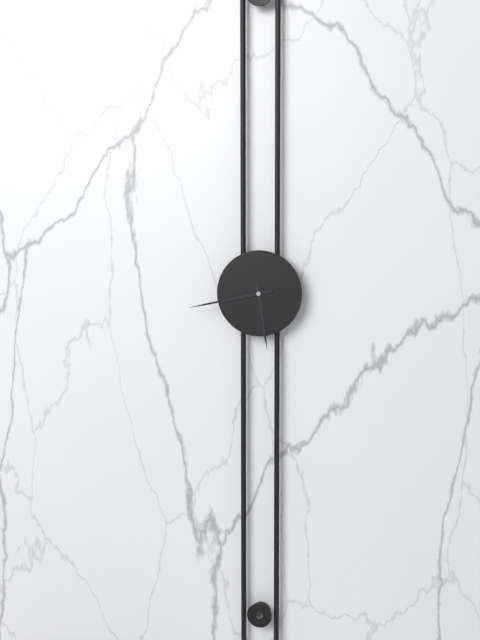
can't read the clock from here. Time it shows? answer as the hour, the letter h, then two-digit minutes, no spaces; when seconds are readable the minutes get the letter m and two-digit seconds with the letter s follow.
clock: 5h43
